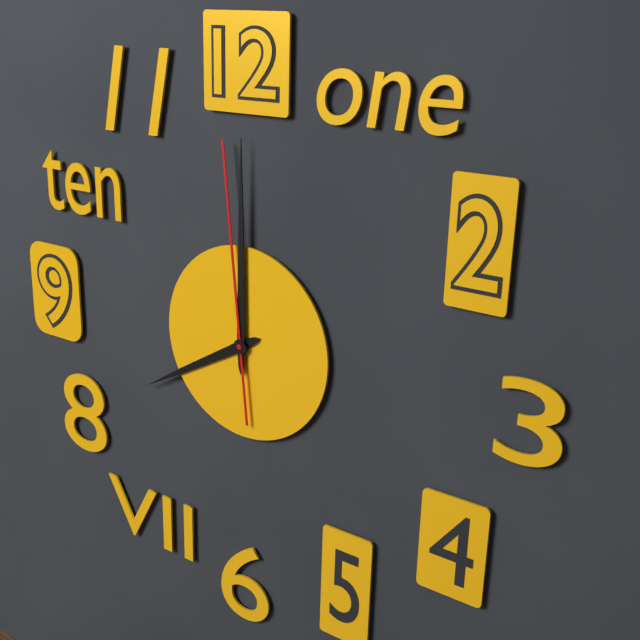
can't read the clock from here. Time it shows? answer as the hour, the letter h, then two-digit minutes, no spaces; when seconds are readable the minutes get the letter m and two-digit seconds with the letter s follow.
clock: 8h00m59s
